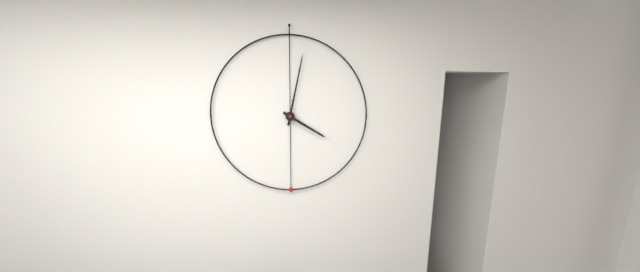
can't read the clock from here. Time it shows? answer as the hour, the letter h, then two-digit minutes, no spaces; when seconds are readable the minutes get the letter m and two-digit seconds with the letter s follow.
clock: 4h02
